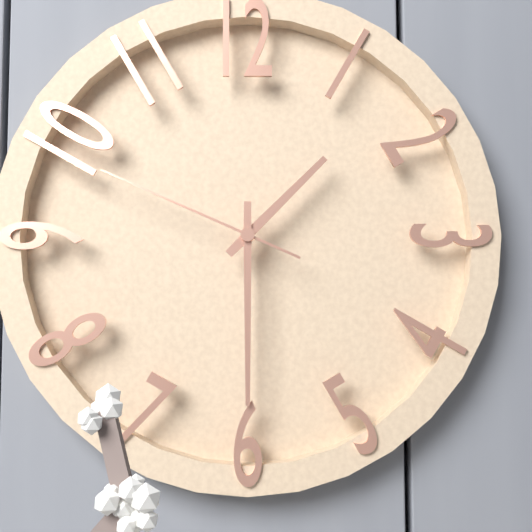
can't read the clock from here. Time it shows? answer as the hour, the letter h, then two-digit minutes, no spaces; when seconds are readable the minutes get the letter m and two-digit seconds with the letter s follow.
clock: 1h30m49s
